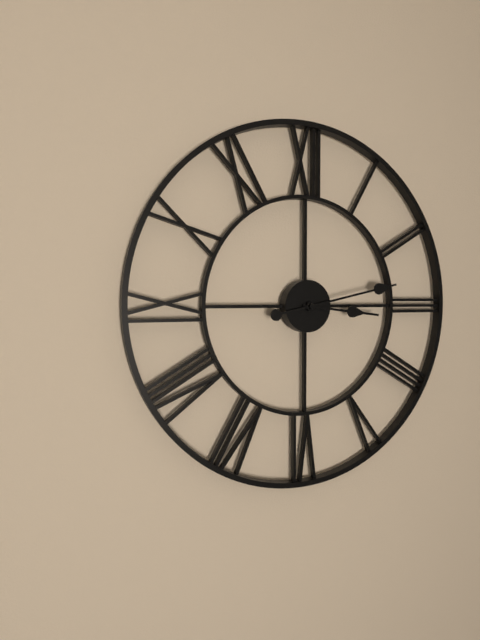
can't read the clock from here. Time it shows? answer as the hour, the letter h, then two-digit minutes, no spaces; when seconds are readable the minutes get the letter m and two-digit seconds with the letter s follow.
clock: 3h13
